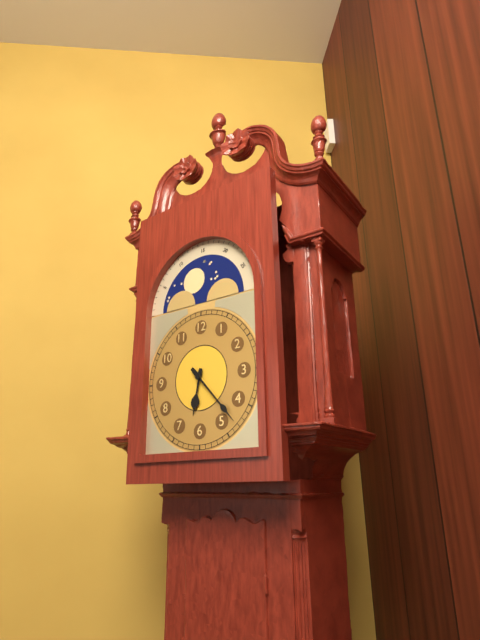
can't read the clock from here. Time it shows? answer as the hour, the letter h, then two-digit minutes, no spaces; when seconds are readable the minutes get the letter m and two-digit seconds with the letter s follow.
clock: 6h23
